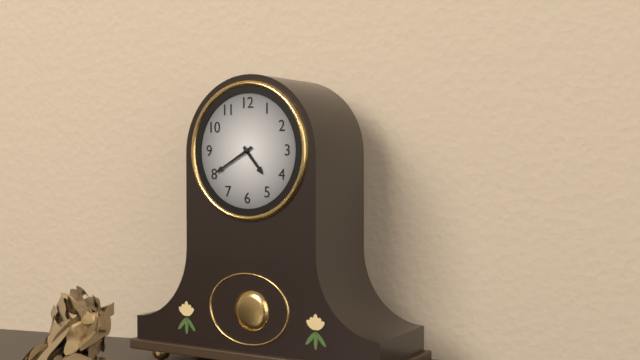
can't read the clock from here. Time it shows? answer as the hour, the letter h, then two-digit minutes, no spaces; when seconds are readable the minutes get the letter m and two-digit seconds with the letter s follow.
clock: 4h40
